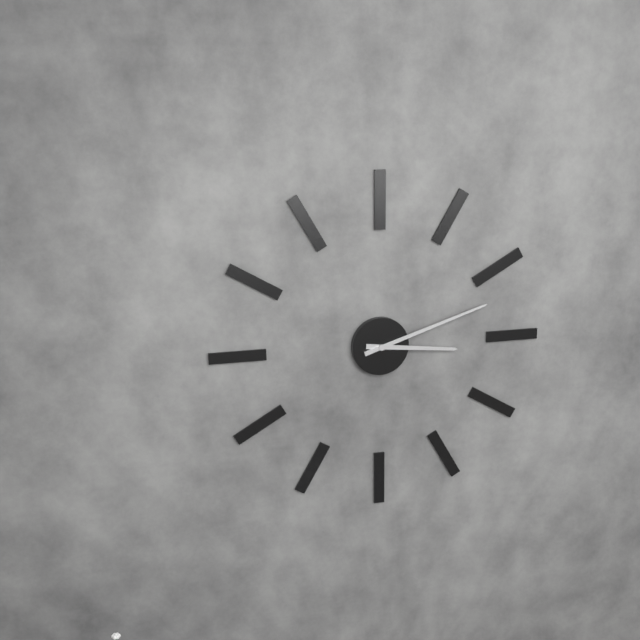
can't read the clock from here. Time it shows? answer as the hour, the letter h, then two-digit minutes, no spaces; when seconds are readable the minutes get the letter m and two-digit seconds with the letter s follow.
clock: 3h12
